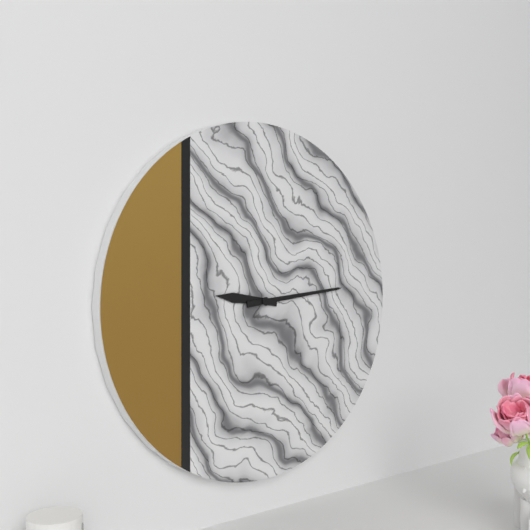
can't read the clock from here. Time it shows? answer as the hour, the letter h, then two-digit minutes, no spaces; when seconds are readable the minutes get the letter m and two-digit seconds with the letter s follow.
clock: 9h14
